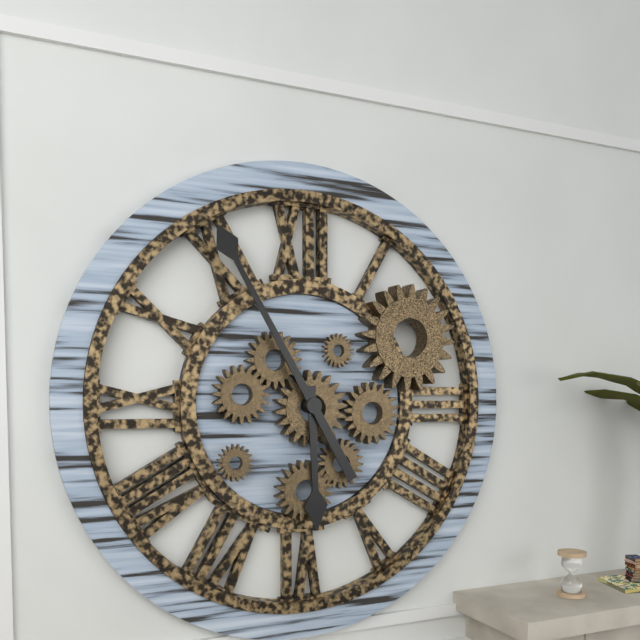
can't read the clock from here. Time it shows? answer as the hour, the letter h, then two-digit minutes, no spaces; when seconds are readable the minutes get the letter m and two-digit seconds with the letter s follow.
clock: 5h55
